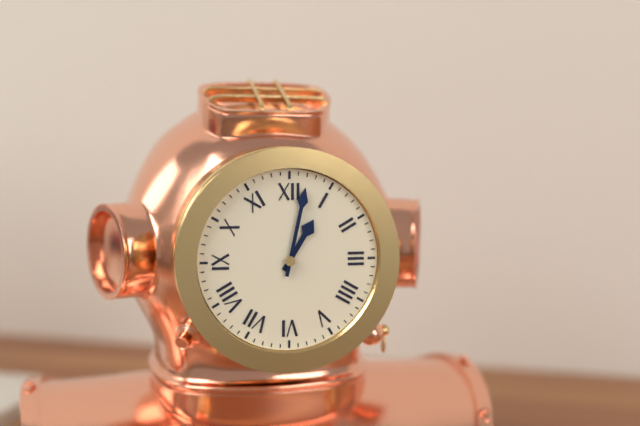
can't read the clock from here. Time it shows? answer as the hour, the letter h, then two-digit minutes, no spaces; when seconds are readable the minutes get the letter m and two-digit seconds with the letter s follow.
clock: 1h02
